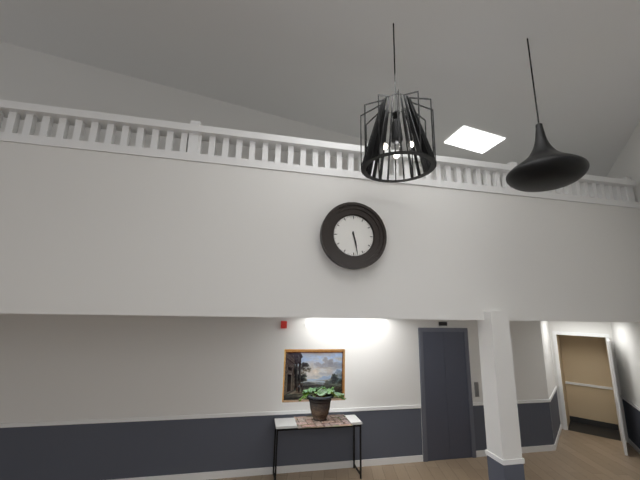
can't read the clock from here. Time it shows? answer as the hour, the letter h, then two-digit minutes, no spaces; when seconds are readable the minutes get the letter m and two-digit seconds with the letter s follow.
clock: 5h28
